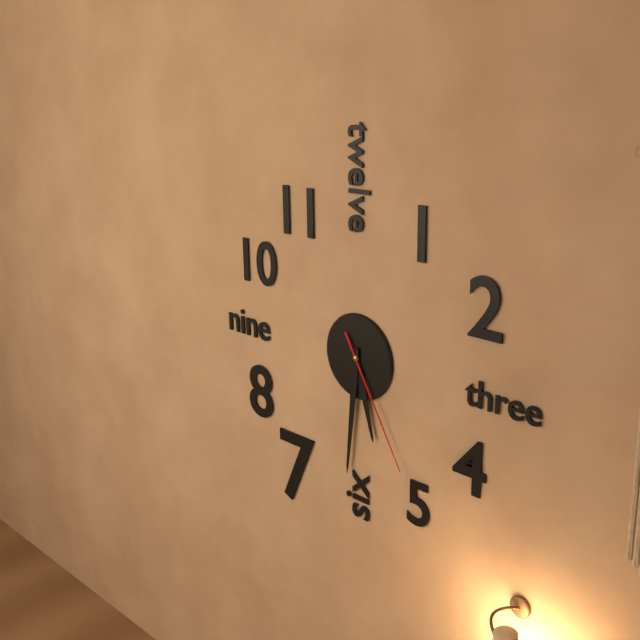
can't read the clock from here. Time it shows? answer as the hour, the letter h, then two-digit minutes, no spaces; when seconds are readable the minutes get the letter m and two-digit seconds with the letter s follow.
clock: 5h31m25s
